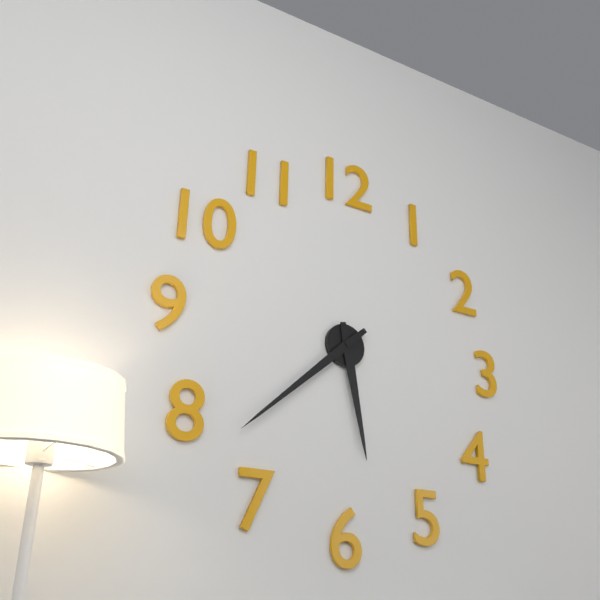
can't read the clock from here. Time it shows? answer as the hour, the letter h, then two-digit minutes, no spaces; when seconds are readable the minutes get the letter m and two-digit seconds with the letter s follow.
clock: 5h38
